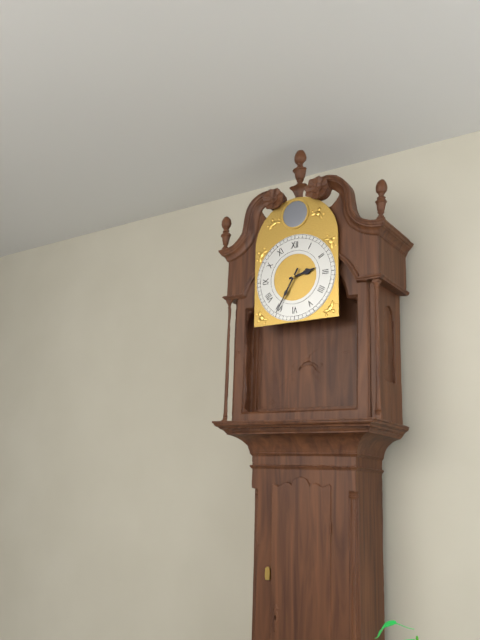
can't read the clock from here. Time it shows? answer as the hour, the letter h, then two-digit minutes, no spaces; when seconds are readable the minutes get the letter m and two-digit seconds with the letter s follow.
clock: 2h35
